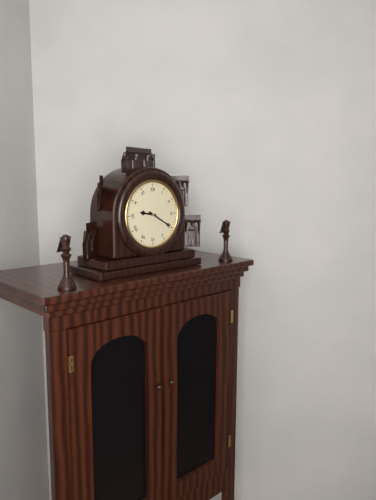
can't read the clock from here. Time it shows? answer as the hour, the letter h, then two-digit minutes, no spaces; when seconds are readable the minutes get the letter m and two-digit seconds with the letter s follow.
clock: 9h20
